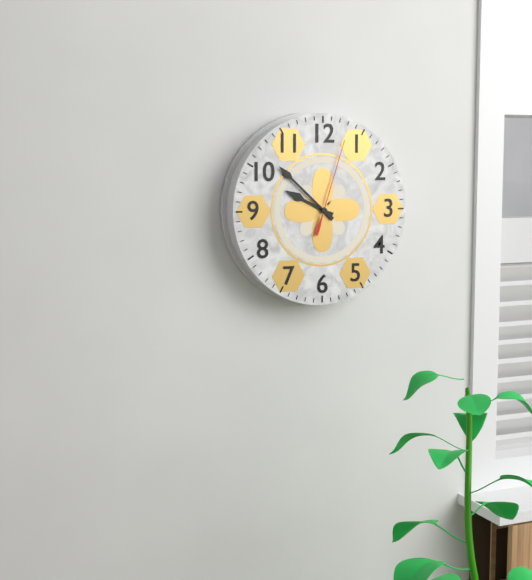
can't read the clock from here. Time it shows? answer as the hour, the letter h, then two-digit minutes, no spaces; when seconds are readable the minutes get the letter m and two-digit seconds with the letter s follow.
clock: 9h52m03s
